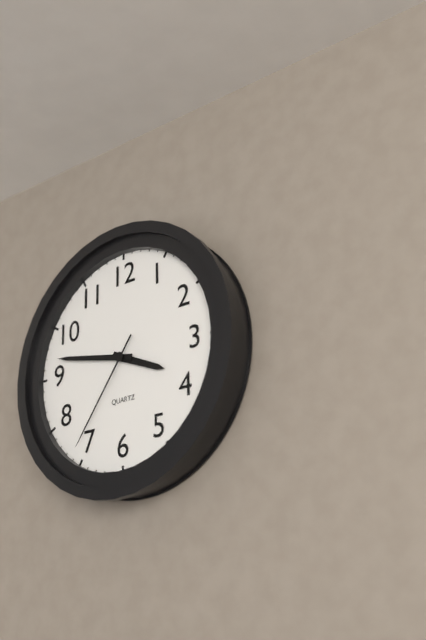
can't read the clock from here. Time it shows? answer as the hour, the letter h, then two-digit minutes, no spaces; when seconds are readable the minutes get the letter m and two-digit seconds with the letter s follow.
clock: 3h47m36s
